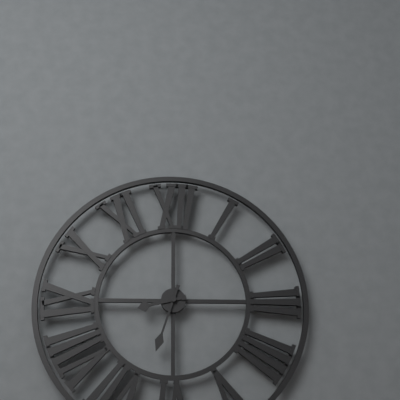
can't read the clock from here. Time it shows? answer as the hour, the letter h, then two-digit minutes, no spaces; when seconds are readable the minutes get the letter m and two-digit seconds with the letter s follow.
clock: 8h33
